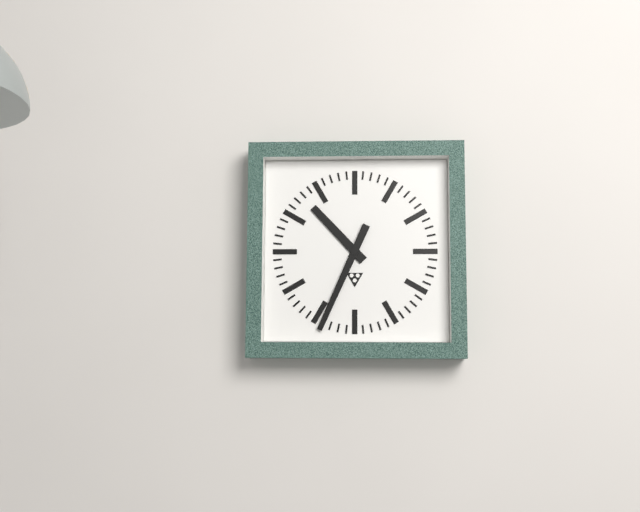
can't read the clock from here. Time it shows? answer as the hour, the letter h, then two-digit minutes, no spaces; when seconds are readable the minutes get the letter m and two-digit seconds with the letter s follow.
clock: 10h34
